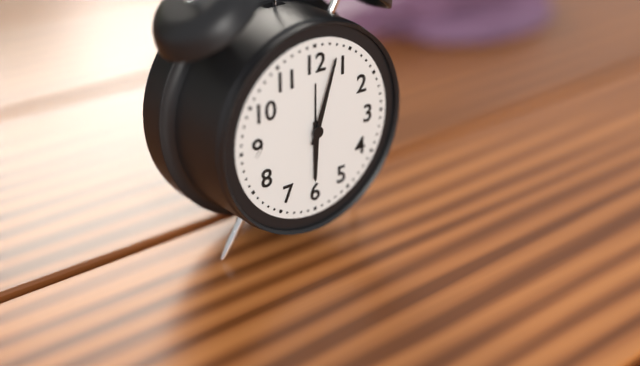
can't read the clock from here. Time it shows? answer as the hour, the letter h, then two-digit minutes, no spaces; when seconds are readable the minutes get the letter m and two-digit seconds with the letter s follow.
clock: 6h03
